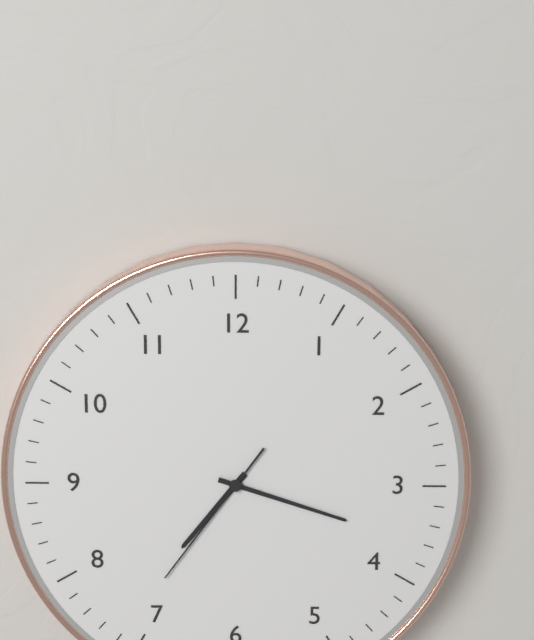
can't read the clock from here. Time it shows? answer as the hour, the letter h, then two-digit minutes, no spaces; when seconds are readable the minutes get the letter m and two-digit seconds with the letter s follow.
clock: 7h18m36s
